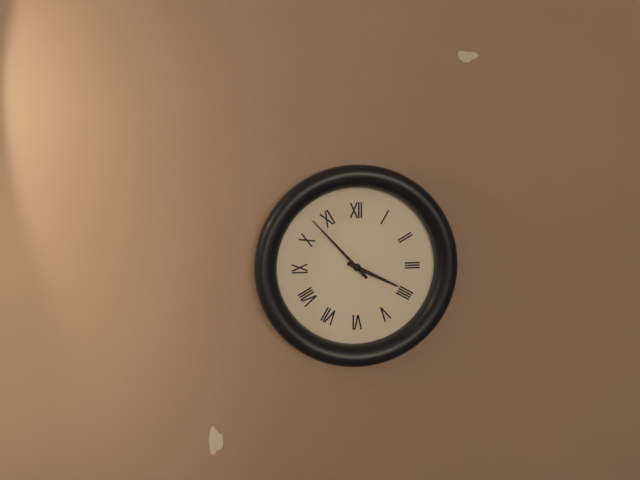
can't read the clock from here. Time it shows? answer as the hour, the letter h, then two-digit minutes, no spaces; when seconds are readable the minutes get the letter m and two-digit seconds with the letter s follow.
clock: 3h53
